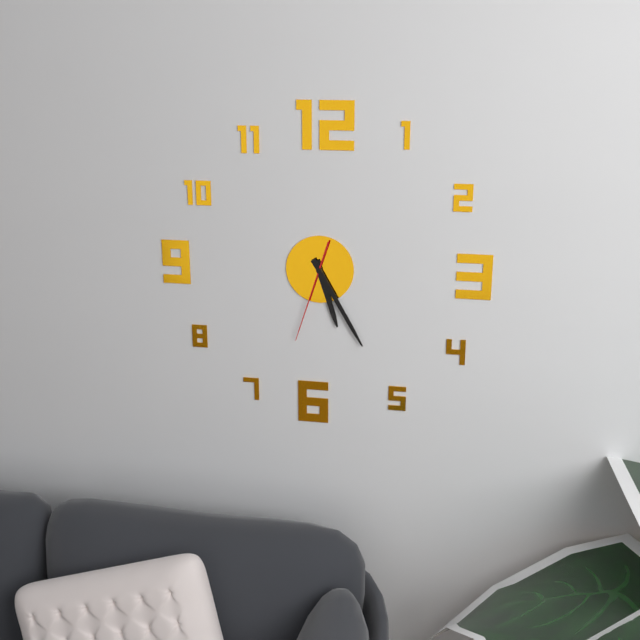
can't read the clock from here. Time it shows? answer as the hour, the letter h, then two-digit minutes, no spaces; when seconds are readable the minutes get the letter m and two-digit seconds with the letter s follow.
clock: 5h25m33s
